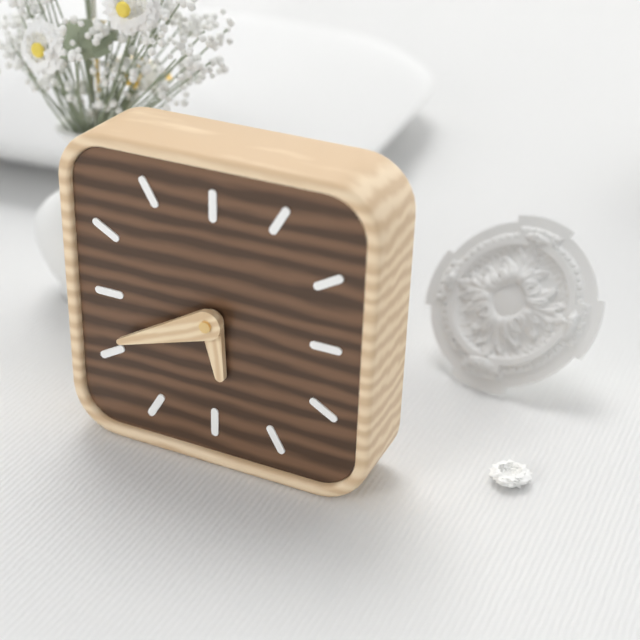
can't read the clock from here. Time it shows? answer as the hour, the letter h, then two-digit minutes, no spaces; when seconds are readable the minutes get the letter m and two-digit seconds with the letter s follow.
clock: 5h41
